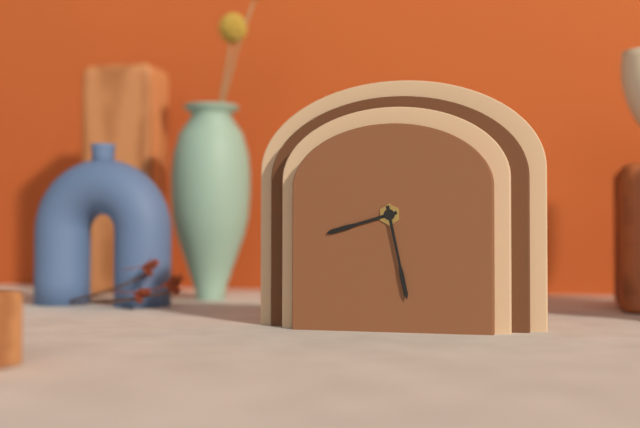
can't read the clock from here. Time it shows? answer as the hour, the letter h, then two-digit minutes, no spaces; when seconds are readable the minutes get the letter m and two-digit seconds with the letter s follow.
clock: 8h28
